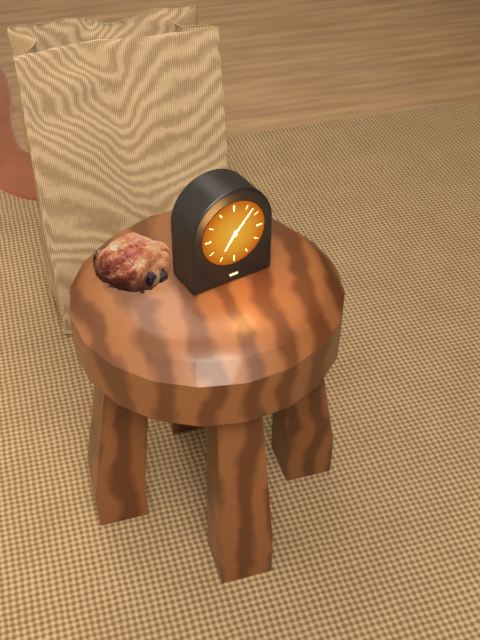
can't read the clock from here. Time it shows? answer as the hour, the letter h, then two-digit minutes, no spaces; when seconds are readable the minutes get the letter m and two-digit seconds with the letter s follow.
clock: 7h07
